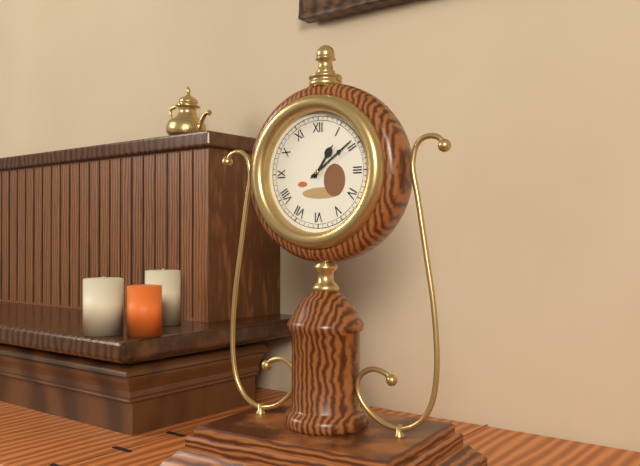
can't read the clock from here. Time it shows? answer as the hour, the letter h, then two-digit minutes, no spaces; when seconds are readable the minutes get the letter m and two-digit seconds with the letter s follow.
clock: 1h09
